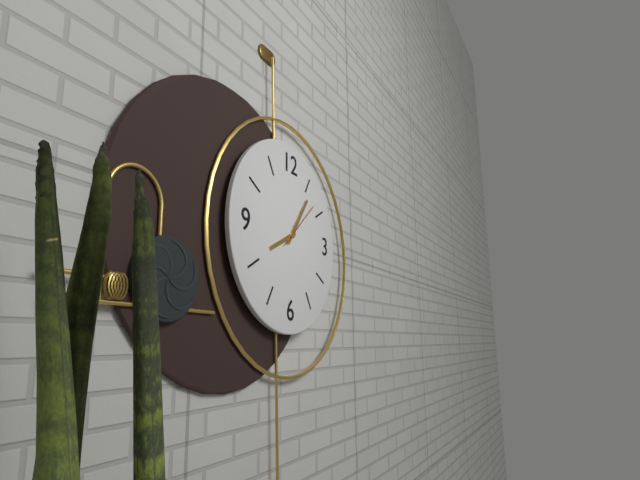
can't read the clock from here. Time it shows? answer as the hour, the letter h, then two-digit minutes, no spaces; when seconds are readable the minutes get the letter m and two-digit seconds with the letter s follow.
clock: 8h06
